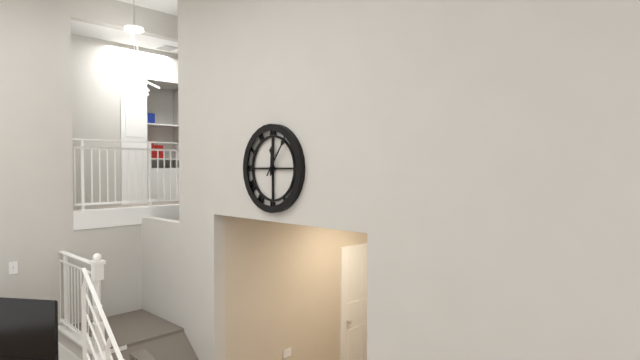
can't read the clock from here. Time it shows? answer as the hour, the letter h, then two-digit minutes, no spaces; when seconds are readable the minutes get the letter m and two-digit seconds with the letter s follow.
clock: 12h06
